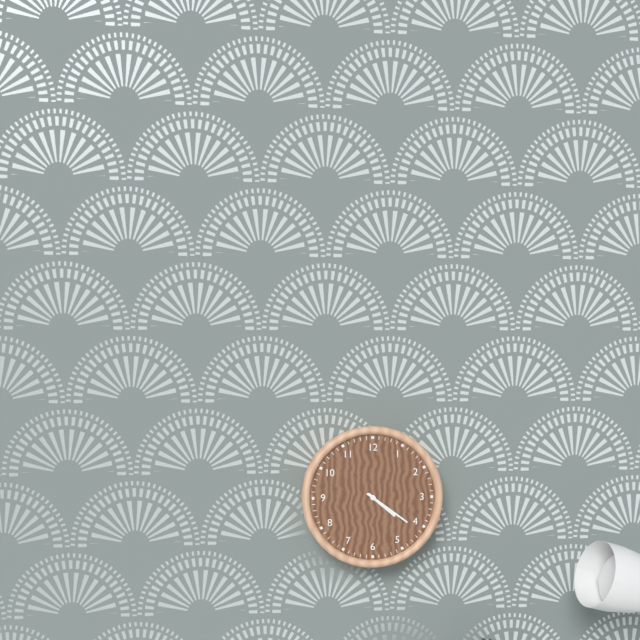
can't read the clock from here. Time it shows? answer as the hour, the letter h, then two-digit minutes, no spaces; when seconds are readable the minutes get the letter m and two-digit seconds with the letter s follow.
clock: 4h21
